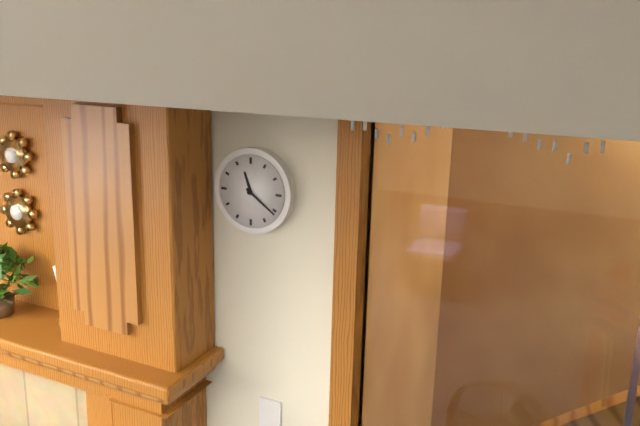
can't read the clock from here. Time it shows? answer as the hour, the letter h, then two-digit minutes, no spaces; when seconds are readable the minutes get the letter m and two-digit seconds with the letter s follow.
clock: 11h21
